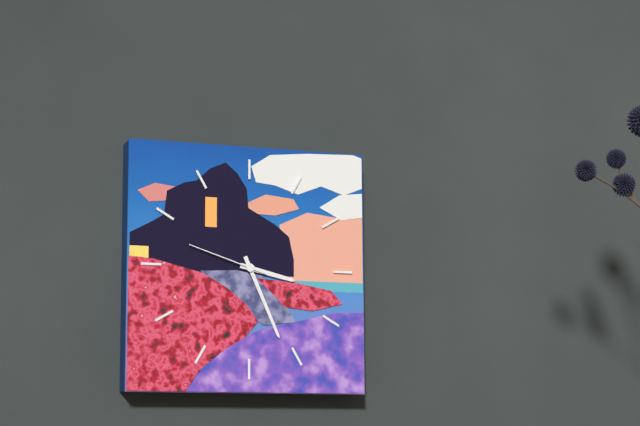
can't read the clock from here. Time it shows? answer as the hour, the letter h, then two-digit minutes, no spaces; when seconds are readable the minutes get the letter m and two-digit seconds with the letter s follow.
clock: 3h26m48s
